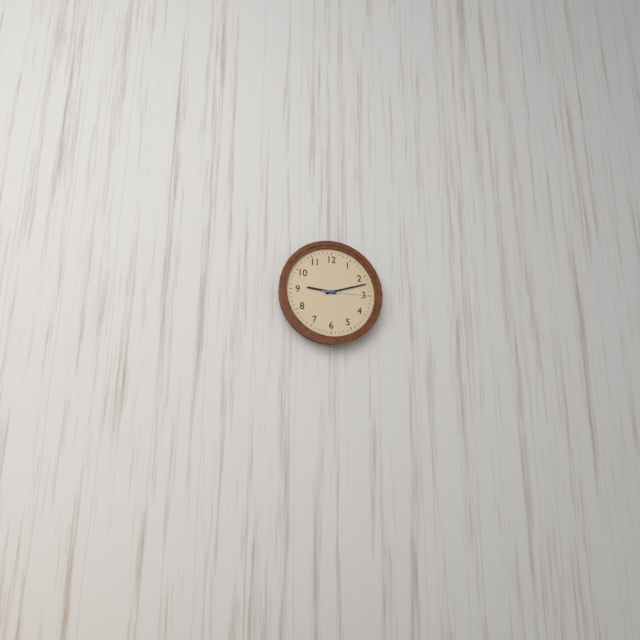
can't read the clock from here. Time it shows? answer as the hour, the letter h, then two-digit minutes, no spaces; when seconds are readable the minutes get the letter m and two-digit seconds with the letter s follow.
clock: 9h12
